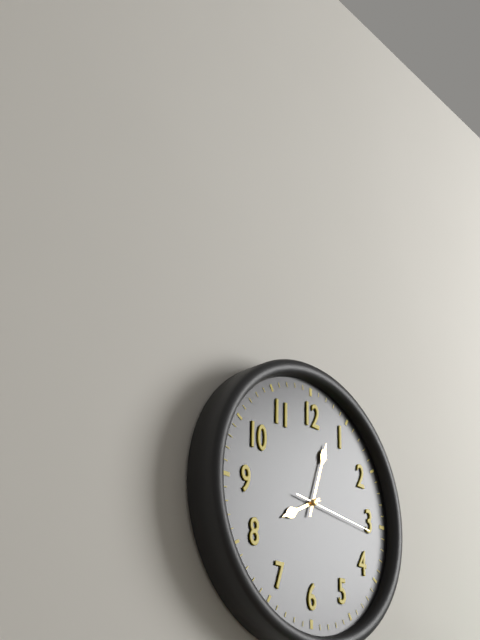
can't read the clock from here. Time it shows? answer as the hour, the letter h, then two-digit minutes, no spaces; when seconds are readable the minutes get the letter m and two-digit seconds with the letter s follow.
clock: 8h03m16s
